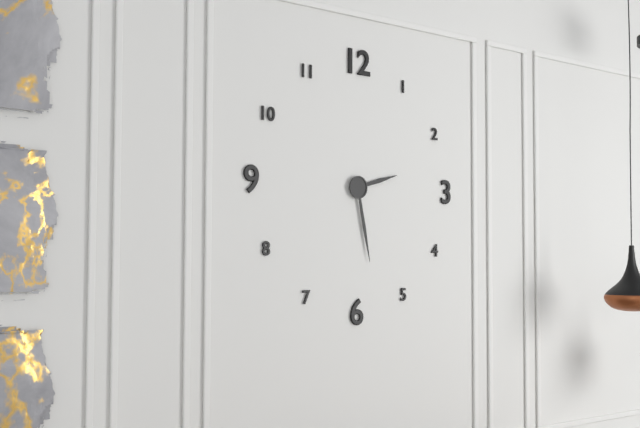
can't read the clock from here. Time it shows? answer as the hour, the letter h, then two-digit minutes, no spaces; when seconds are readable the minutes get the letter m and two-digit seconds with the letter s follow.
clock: 2h28
